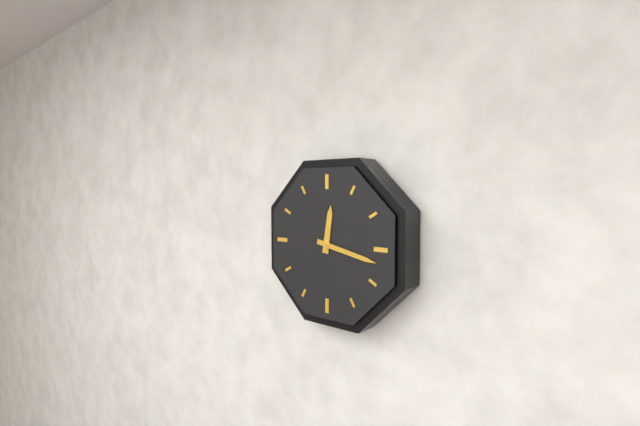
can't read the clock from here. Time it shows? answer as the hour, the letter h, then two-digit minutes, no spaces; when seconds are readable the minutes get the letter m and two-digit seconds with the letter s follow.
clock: 12h17
